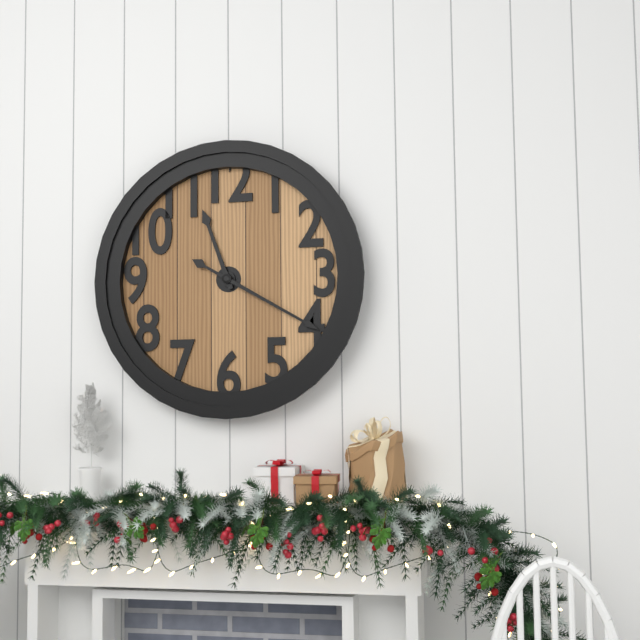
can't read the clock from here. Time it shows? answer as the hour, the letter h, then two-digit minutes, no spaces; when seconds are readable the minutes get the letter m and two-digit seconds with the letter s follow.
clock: 11h20
